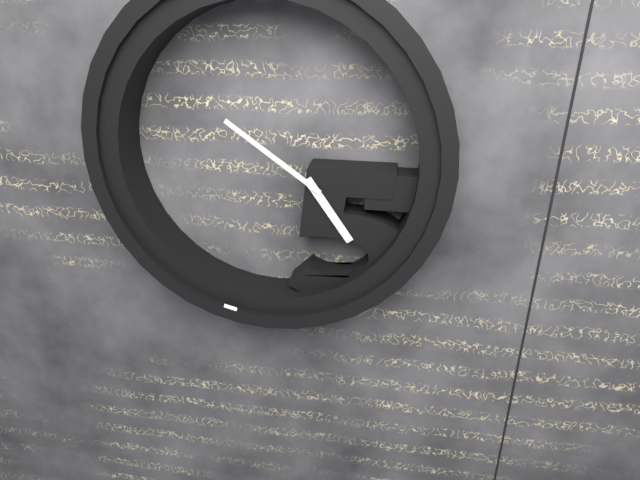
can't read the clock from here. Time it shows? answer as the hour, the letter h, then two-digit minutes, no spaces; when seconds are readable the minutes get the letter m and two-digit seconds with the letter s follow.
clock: 4h51
